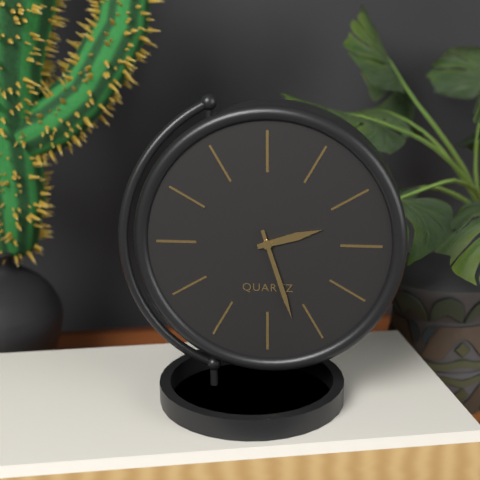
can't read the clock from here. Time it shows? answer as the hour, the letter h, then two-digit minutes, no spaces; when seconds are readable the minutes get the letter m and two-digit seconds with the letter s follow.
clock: 2h27
